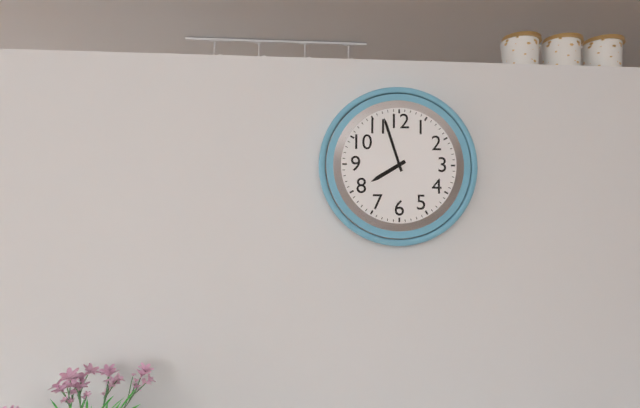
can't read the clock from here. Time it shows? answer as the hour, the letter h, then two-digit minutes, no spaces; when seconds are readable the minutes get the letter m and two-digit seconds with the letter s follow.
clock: 7h57
